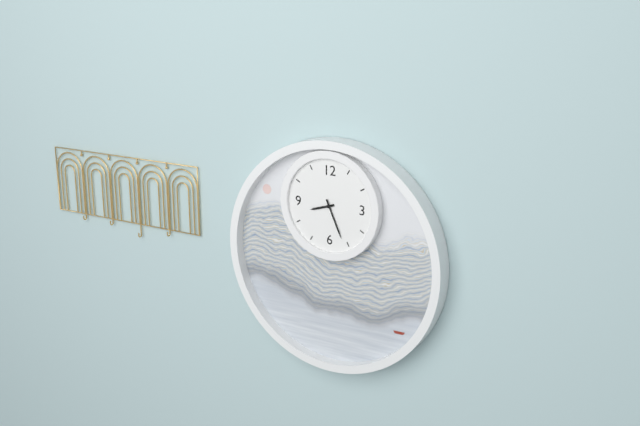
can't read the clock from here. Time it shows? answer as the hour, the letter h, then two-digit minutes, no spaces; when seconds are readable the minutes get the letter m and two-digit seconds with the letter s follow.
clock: 8h26
